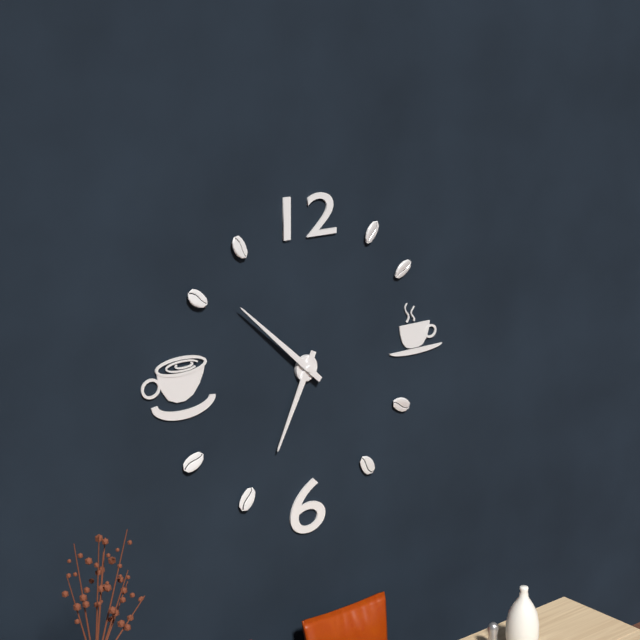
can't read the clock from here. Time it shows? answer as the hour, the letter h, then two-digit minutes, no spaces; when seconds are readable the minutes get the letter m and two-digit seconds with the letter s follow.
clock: 6h52
